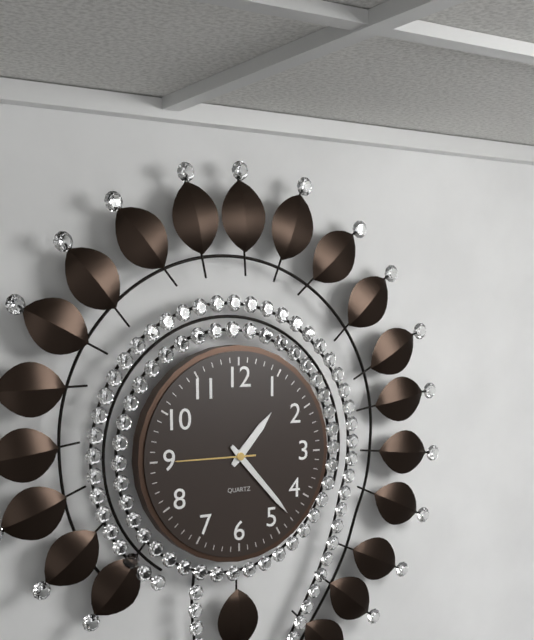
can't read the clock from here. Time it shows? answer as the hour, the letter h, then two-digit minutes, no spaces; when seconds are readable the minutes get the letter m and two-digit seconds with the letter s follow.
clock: 1h23m45s
